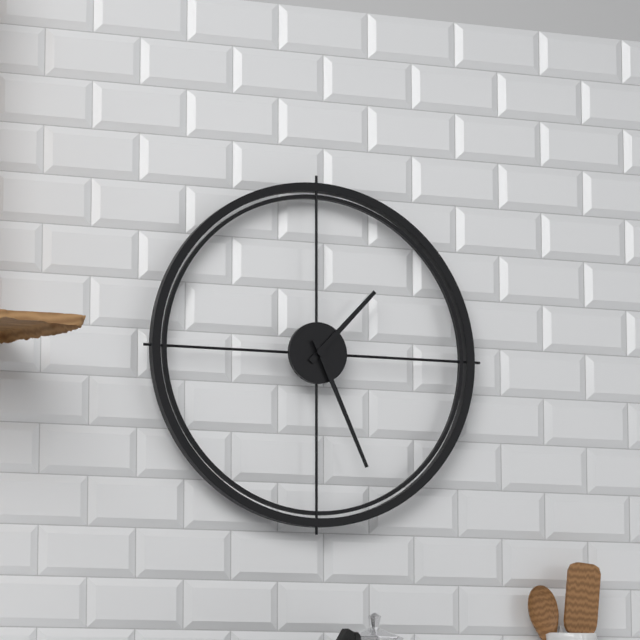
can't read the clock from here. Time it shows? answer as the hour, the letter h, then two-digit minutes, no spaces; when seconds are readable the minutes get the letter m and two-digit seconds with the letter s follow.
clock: 1h26
